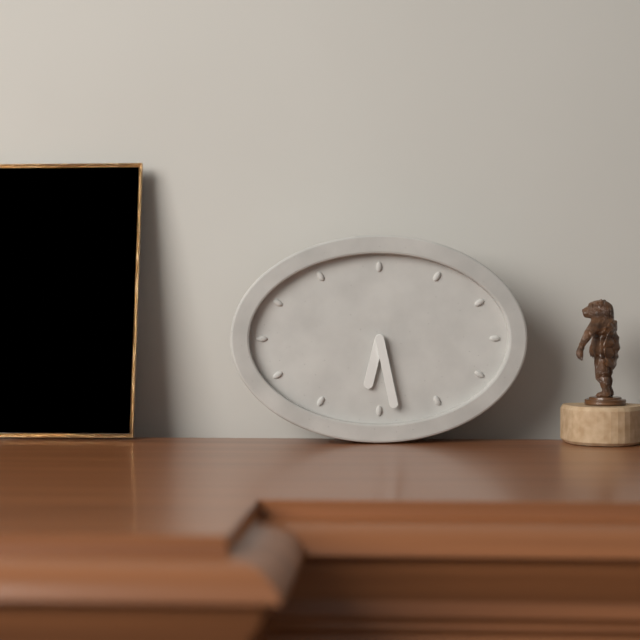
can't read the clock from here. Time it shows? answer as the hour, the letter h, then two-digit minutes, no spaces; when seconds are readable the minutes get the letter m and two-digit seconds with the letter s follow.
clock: 6h28
